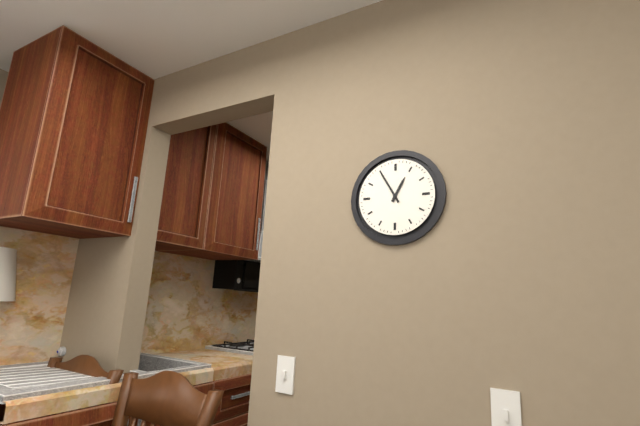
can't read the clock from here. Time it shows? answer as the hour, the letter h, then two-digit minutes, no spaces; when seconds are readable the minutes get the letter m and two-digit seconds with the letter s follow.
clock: 12h55
